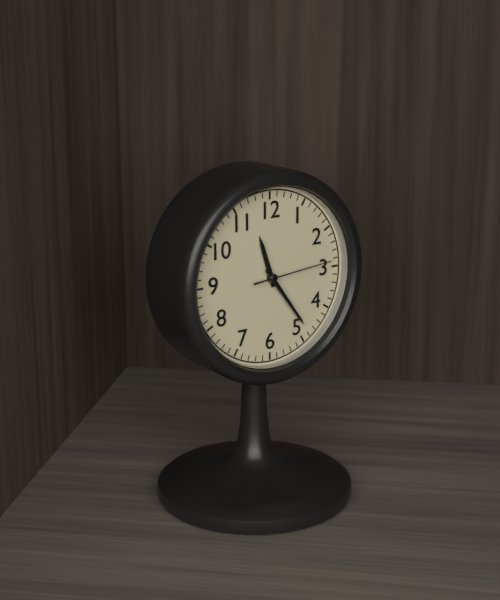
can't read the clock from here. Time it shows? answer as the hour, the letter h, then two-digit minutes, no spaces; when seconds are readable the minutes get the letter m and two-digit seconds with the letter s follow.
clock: 11h24m14s
